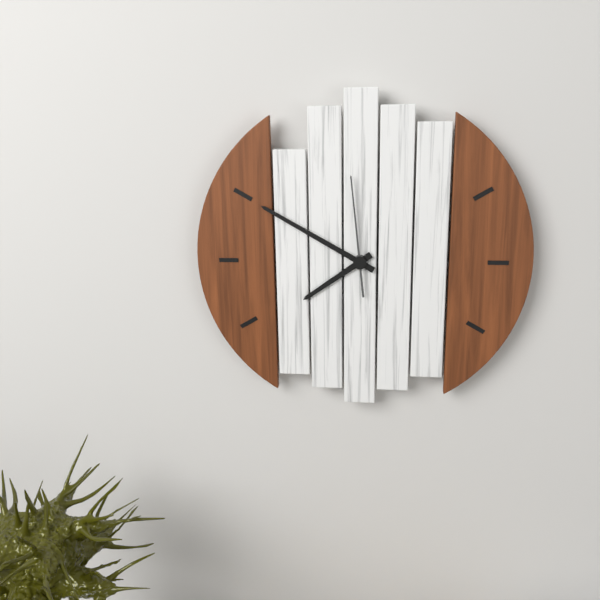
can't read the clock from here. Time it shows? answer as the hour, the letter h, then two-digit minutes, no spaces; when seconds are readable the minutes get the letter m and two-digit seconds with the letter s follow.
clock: 7h50m59s
